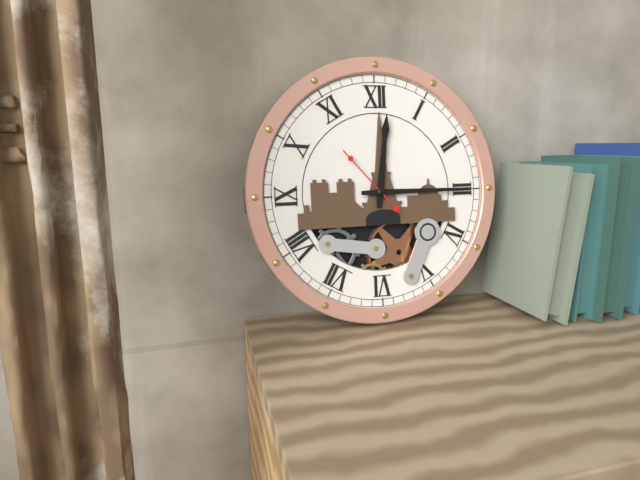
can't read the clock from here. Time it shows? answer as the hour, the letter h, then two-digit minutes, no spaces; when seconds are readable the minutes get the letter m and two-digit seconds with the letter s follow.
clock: 12h15m53s
